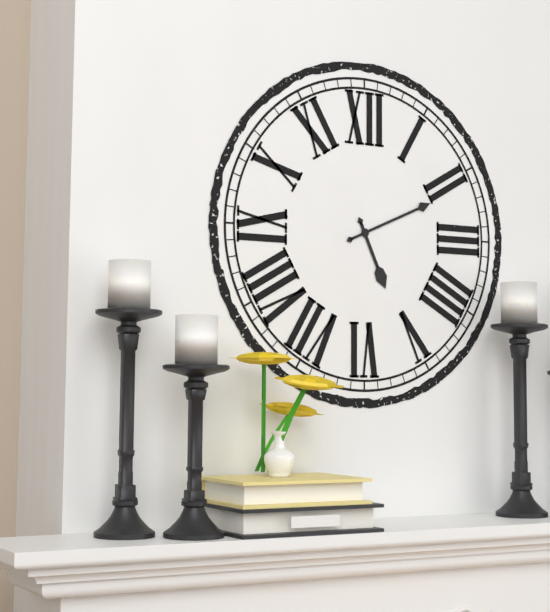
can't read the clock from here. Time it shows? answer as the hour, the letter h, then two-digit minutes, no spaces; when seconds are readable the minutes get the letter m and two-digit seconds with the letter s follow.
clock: 5h11
